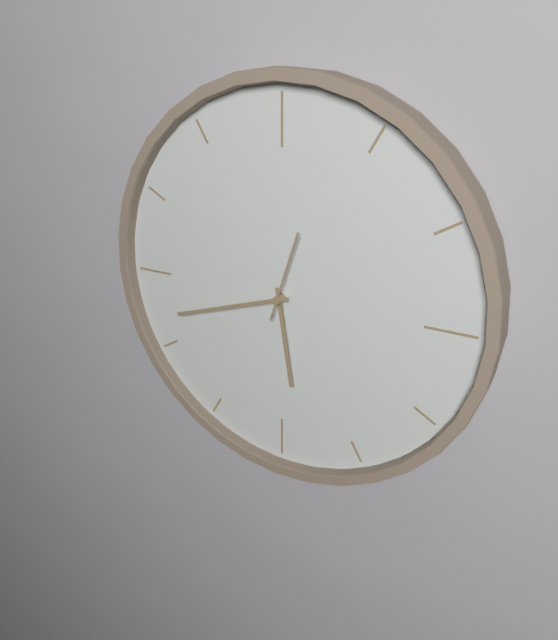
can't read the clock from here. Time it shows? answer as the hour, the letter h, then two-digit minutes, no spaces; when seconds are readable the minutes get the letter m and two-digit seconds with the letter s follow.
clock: 5h42m03s
